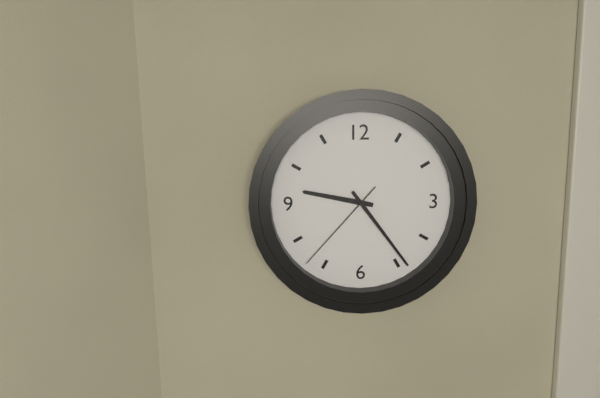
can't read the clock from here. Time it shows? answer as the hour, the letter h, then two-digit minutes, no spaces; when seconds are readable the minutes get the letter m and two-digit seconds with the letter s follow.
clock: 9h24m37s
